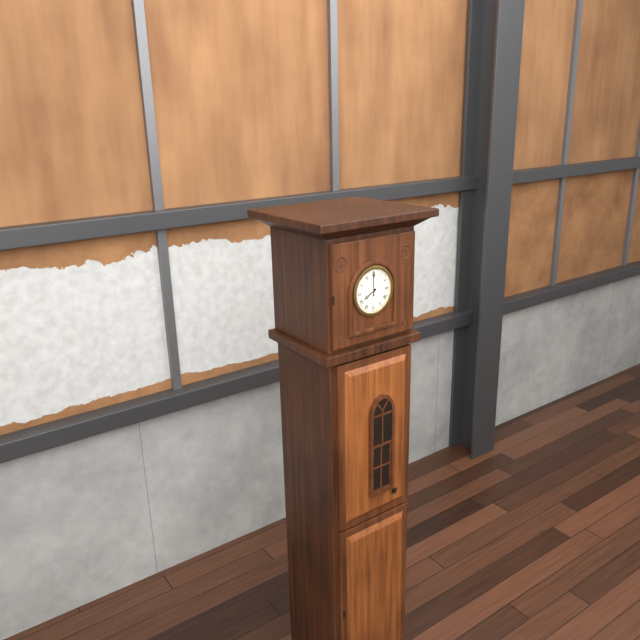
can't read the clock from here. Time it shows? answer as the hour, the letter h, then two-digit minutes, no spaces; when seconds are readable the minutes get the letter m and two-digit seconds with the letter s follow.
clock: 8h00
